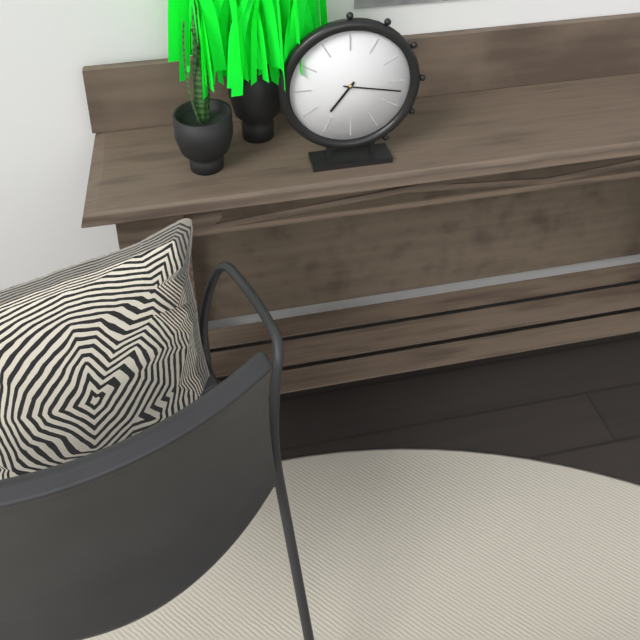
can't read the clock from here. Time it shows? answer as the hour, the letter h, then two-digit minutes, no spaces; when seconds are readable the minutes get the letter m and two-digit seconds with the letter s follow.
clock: 7h17
